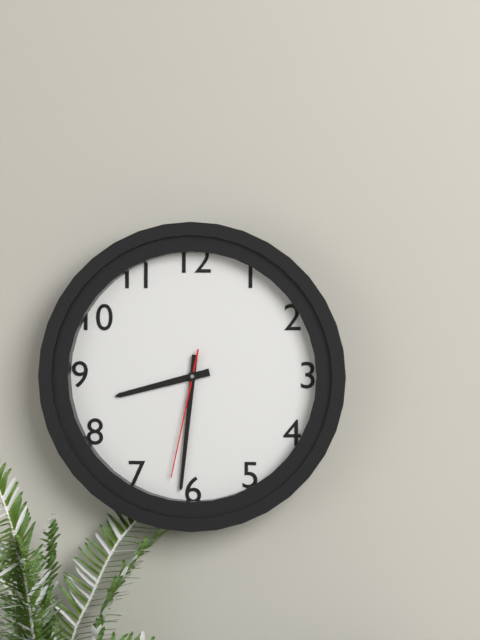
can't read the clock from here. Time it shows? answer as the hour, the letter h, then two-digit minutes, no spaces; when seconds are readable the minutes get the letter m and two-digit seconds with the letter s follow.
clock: 8h31m32s
